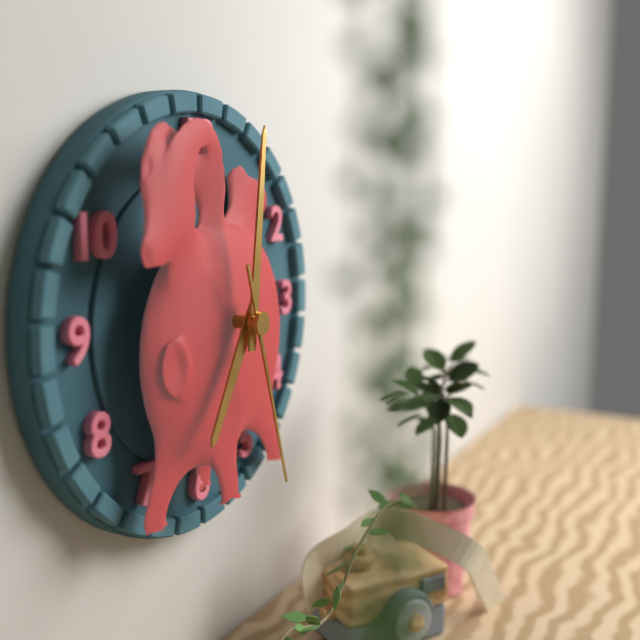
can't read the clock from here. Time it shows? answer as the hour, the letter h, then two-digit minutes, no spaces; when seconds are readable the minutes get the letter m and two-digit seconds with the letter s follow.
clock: 7h01m27s
